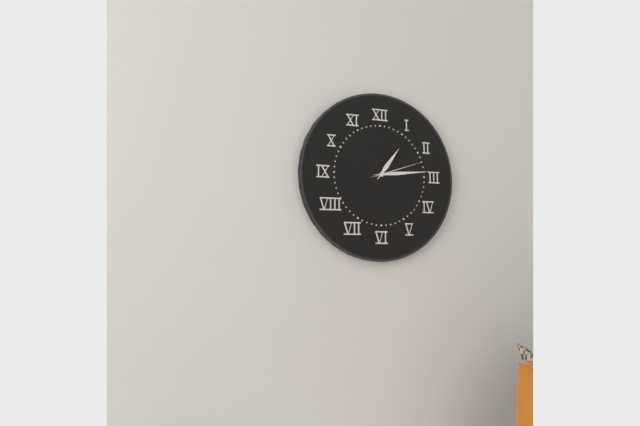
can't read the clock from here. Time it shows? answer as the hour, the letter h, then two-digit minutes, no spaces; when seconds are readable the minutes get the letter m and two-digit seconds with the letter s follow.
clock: 1h14m12s
